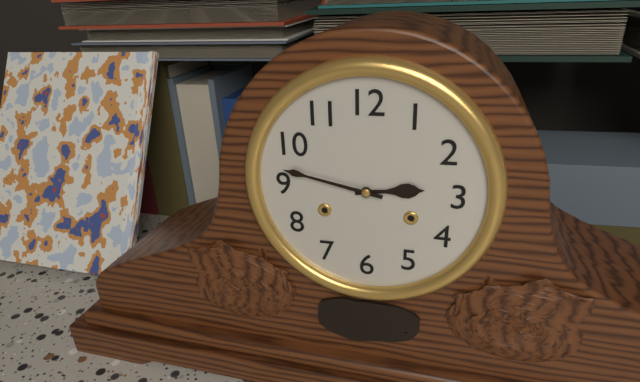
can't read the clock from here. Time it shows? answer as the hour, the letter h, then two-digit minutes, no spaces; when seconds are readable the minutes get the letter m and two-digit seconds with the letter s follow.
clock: 2h47
